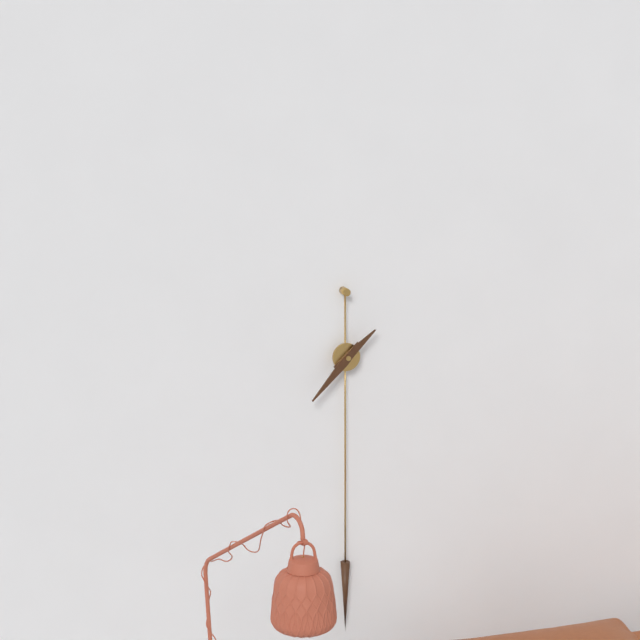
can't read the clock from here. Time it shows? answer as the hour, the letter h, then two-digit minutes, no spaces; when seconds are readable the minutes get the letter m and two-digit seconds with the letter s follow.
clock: 1h37
